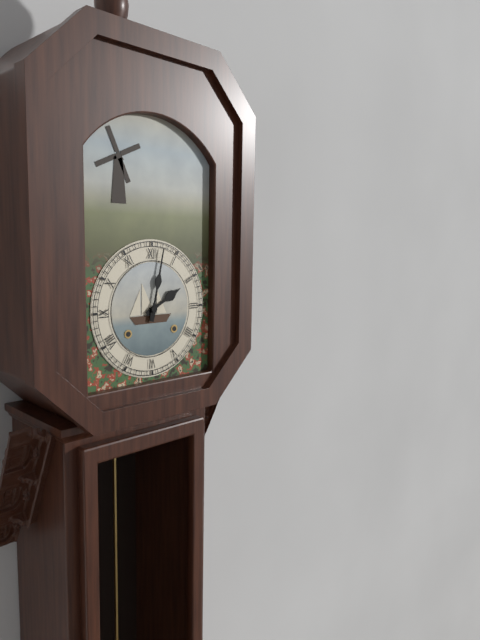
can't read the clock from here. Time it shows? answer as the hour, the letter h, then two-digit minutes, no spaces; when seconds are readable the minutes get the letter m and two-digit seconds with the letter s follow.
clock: 2h02
